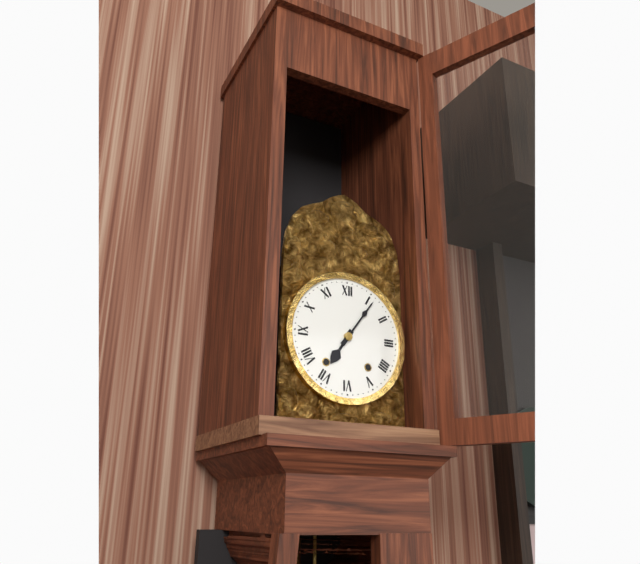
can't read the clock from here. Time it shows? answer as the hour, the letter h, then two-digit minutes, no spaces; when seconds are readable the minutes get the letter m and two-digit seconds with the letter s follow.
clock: 7h06
